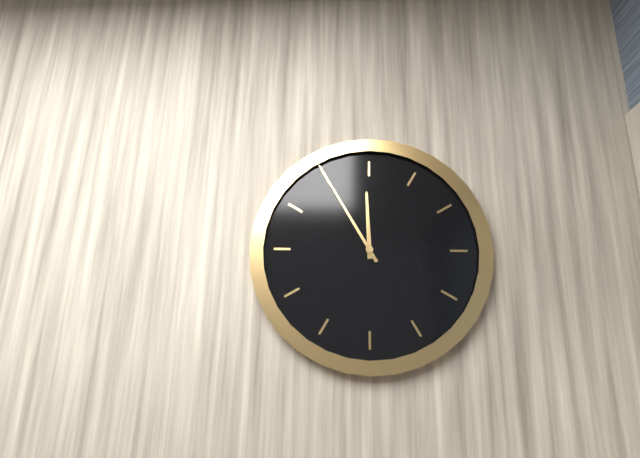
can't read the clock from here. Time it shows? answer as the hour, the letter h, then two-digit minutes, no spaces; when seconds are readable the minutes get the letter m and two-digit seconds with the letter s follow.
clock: 11h55
